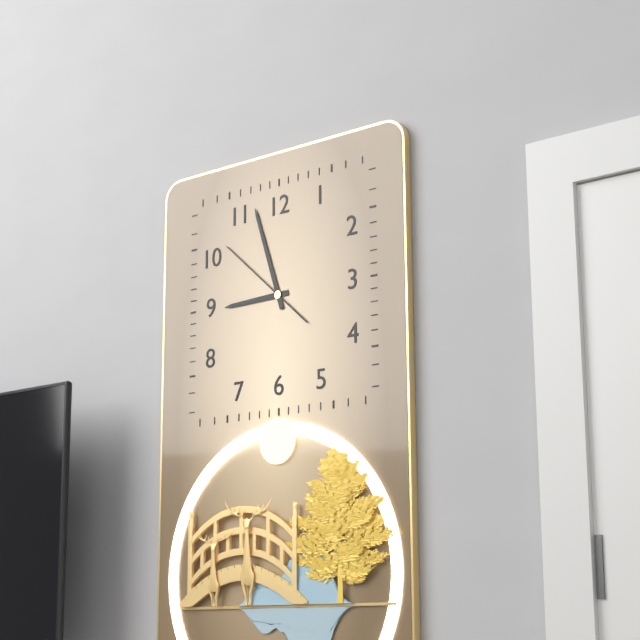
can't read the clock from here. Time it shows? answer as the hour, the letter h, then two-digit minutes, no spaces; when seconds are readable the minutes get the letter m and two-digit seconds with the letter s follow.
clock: 8h57m52s
